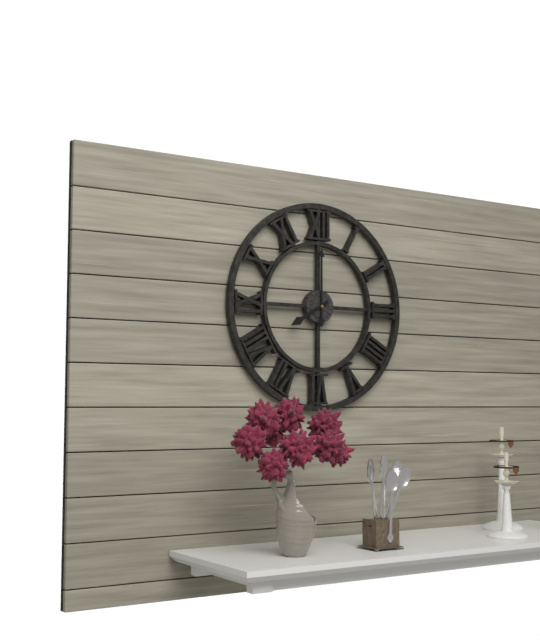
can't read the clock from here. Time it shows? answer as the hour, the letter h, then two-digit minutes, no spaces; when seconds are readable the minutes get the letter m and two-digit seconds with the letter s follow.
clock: 8h00
